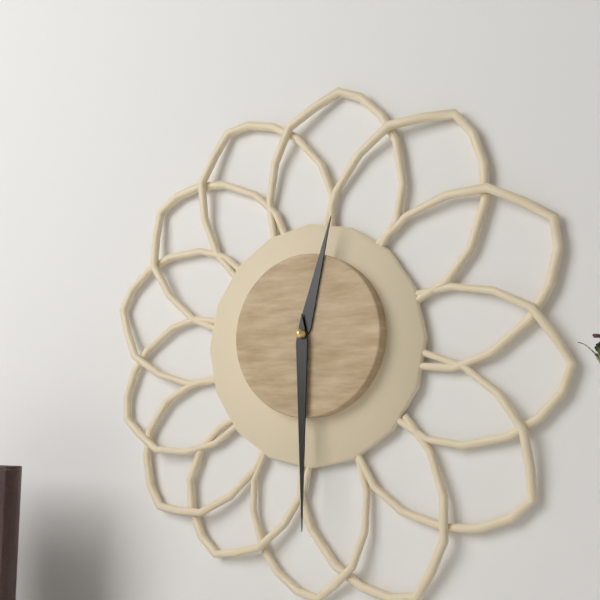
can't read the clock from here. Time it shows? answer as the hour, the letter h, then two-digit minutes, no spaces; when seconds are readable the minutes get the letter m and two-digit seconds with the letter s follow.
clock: 12h30
